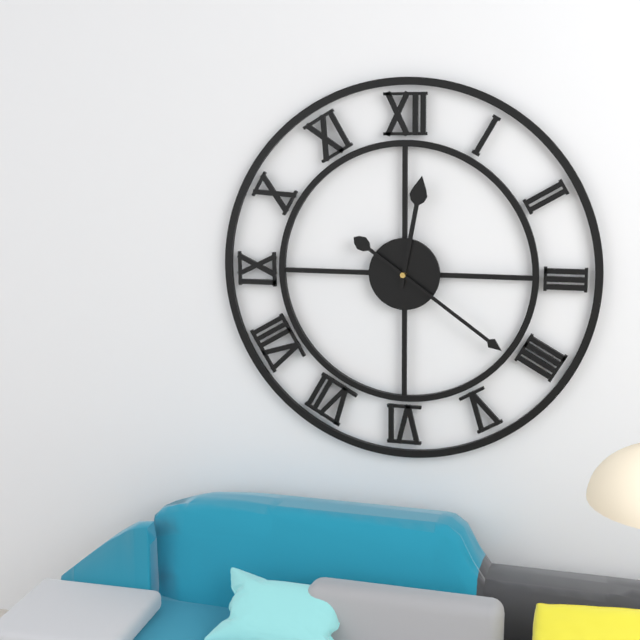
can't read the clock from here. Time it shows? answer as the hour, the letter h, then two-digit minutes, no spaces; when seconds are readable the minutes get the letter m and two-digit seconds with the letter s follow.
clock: 12h21
